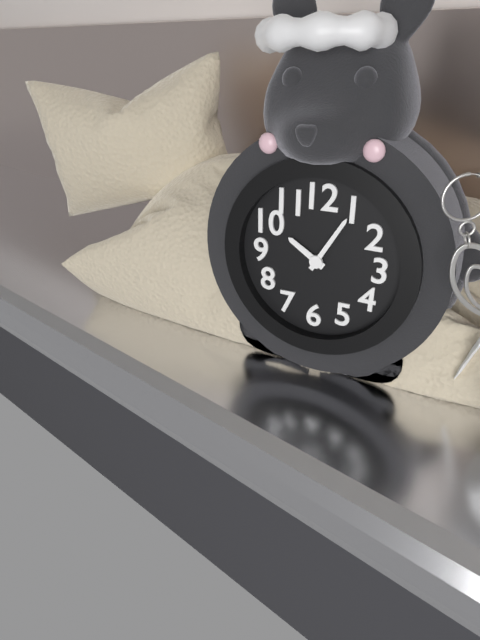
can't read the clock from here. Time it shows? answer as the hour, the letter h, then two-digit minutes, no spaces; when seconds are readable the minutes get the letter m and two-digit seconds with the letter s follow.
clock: 10h05
